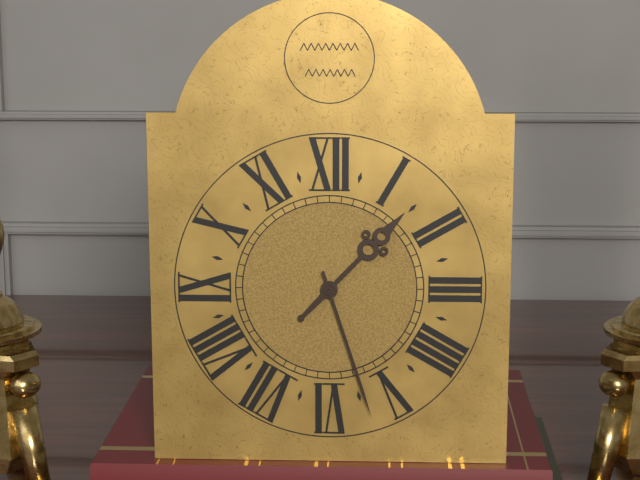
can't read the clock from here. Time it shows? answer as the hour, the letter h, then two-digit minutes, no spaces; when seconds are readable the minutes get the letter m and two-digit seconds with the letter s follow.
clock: 1h27
